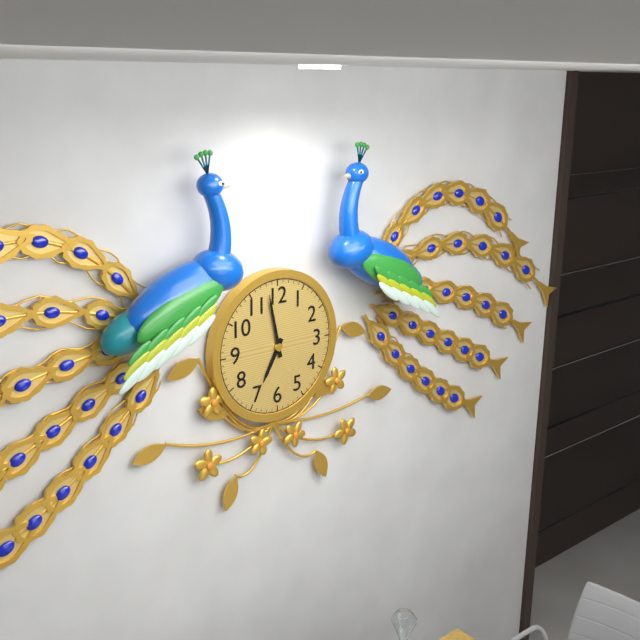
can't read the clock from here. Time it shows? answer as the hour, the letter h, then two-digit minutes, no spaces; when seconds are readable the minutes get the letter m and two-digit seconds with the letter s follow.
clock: 6h58
